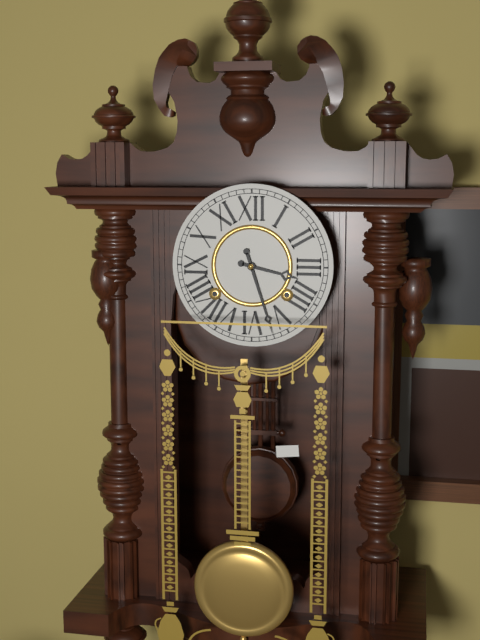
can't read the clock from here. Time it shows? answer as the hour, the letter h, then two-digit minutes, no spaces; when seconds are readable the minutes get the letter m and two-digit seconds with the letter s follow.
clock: 3h27
